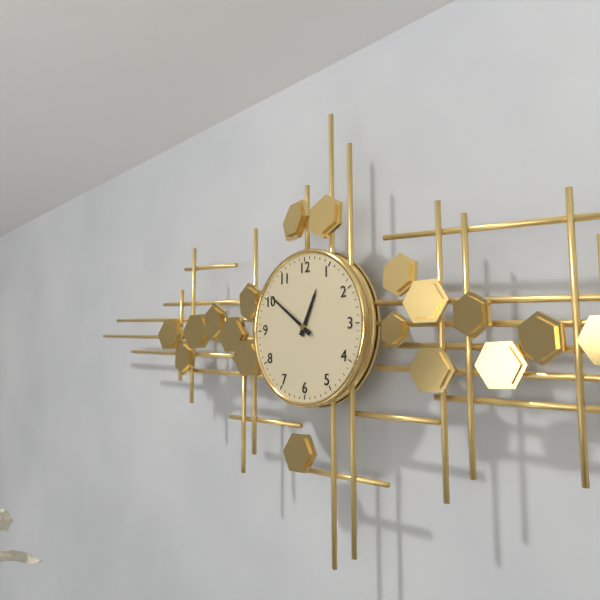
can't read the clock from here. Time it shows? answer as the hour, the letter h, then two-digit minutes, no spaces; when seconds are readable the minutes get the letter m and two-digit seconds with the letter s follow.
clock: 12h51
